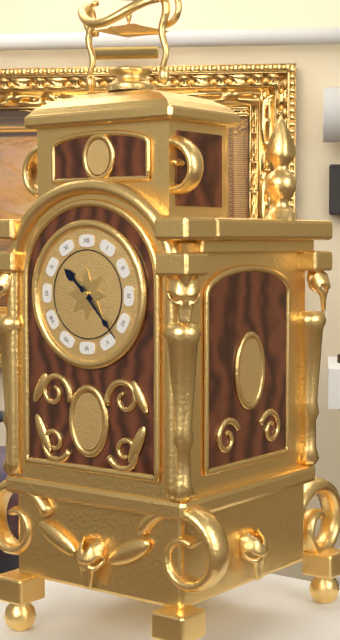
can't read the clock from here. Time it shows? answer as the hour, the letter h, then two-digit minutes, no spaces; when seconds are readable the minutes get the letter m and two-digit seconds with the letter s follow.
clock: 10h23
